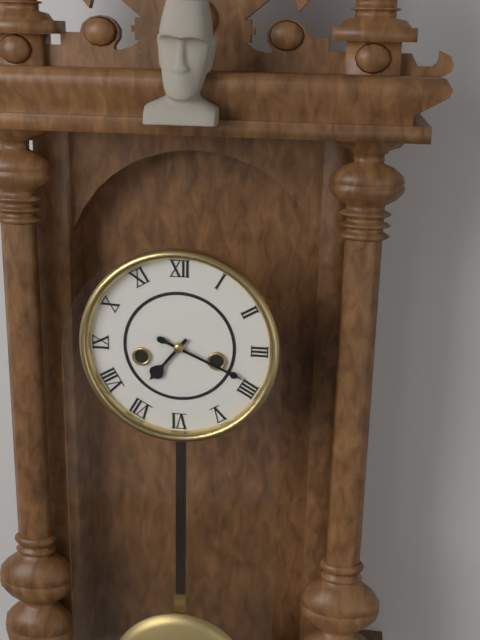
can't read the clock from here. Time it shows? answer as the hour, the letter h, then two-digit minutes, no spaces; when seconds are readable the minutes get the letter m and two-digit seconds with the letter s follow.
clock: 7h19
